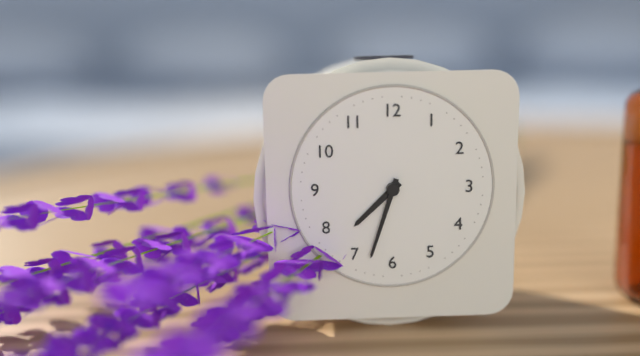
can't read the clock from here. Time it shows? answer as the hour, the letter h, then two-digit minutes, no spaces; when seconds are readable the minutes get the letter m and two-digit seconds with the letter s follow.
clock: 7h33
